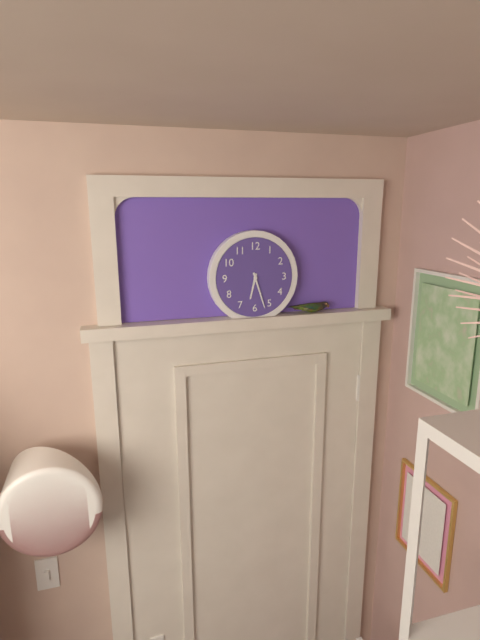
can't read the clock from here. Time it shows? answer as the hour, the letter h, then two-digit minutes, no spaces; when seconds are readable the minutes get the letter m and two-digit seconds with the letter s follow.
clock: 6h27
